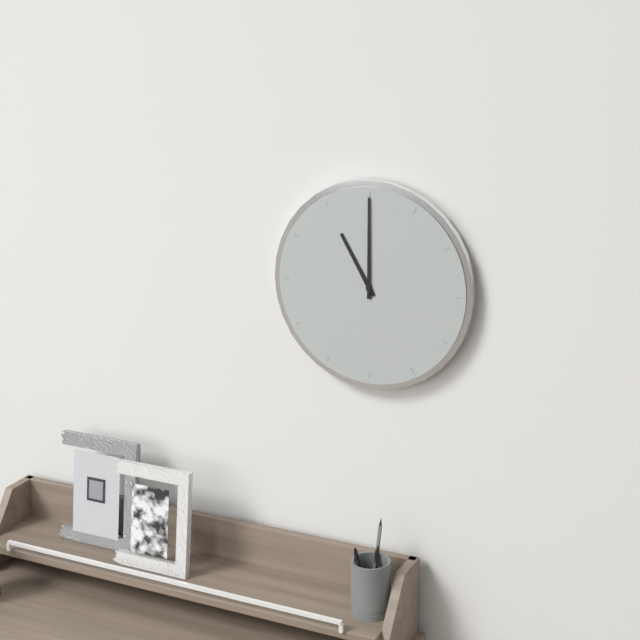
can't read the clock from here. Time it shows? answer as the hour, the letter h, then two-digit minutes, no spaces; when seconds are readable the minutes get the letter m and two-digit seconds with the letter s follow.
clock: 11h00
